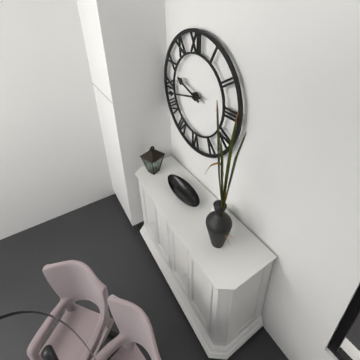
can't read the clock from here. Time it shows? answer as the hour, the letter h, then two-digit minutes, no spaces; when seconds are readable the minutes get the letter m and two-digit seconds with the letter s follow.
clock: 9h43
